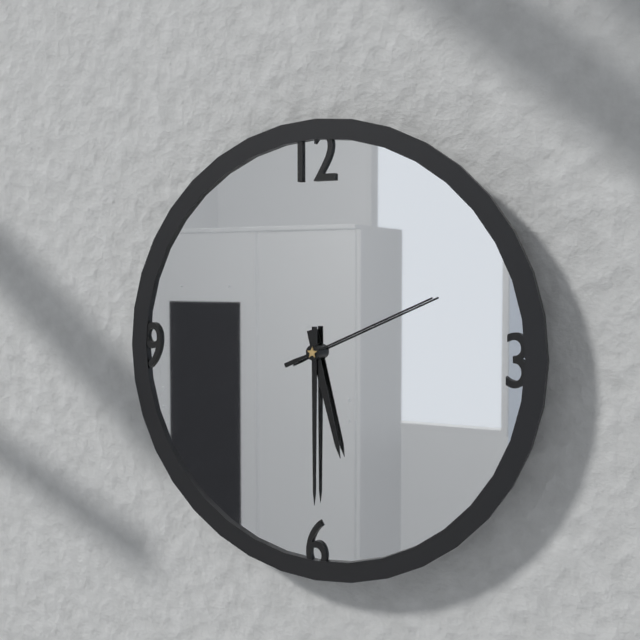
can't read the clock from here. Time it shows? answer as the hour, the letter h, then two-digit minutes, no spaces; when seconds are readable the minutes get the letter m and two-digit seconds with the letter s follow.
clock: 5h30m11s
